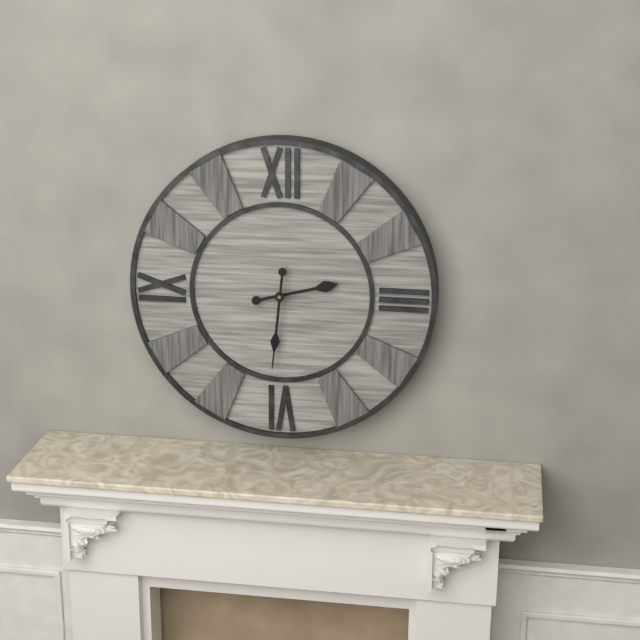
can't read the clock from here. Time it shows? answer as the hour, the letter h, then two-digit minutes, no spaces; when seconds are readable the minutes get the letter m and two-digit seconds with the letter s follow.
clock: 2h31
